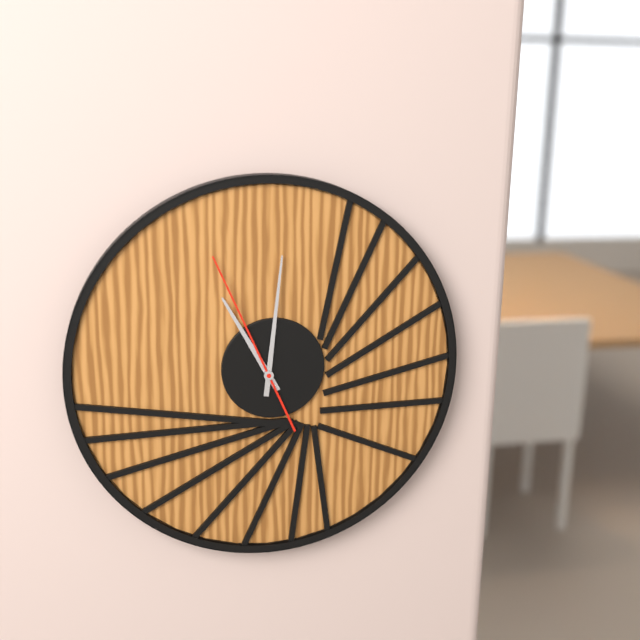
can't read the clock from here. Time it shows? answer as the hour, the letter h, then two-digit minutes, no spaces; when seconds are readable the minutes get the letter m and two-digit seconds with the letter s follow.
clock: 11h01m56s
